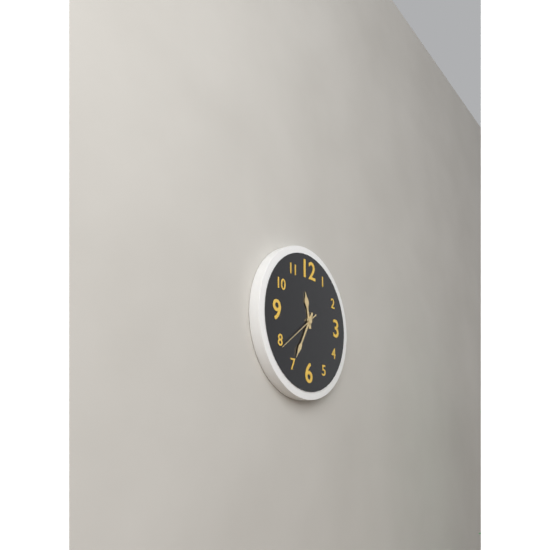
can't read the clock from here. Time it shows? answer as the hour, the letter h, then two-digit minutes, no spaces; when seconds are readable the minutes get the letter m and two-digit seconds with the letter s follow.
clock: 11h35
